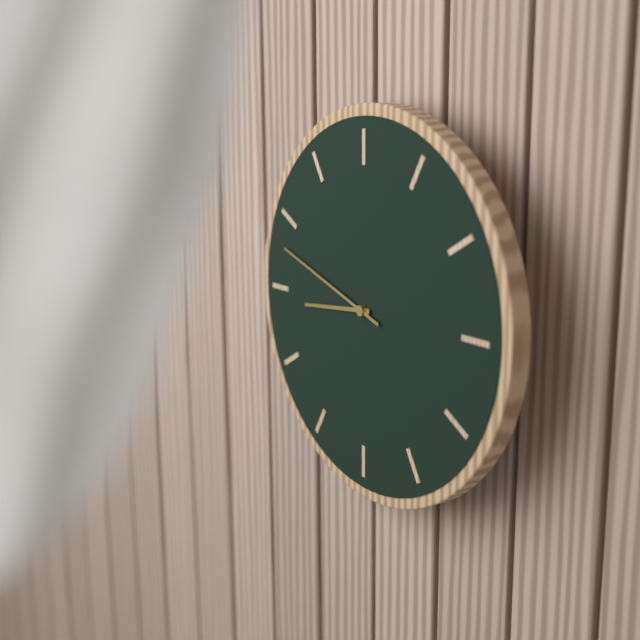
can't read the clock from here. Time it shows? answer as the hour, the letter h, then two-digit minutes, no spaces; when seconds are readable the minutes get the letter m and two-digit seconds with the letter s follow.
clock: 8h48
